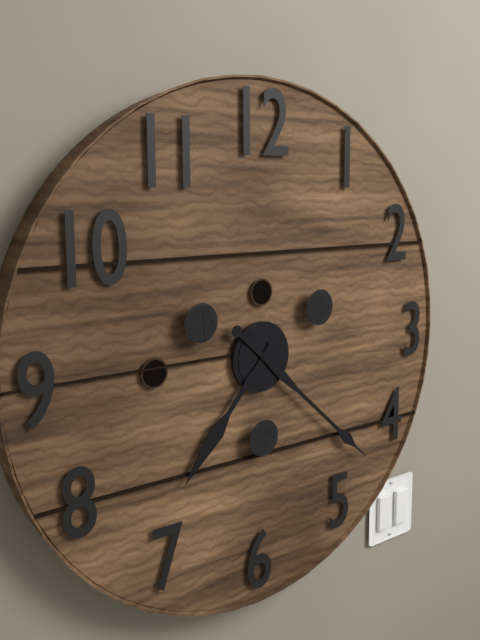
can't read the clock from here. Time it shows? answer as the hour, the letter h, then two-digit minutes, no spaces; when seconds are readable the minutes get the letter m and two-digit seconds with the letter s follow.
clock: 7h22
